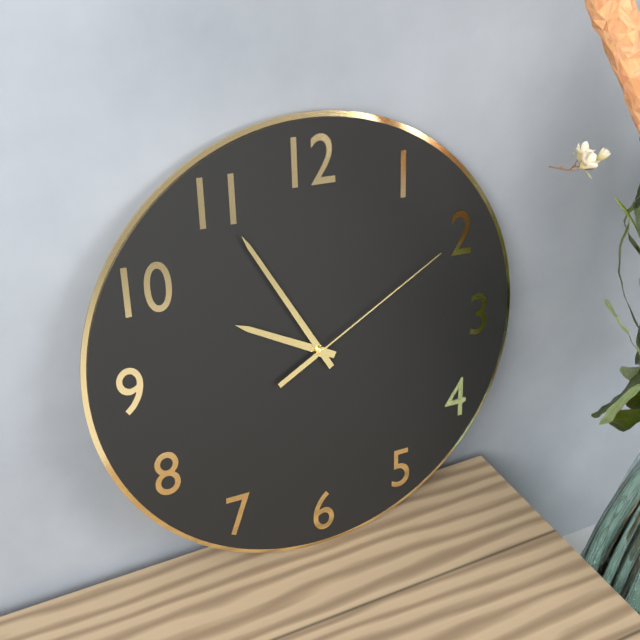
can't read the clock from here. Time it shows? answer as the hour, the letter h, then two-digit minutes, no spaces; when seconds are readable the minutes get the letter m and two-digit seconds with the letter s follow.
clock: 9h55m10s
